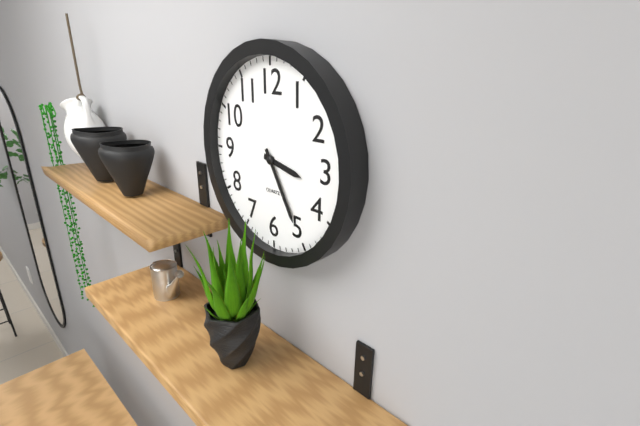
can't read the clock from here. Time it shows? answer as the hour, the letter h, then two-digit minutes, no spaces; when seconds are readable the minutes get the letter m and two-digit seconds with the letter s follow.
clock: 3h25
